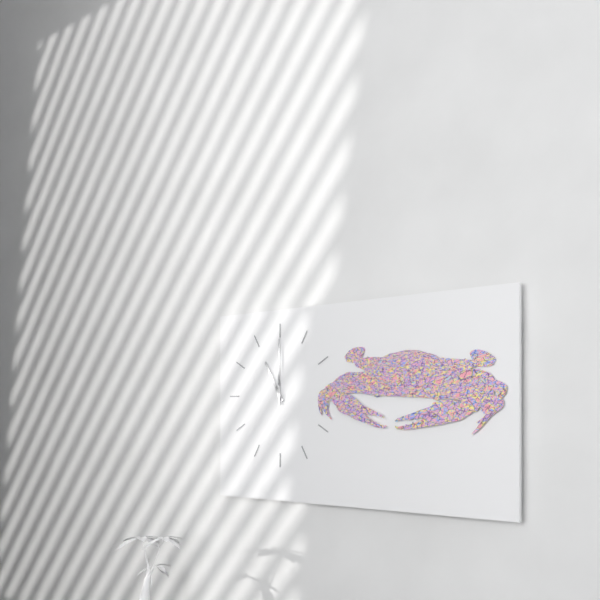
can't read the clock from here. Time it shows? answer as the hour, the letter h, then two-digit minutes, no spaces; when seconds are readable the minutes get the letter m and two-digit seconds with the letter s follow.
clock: 11h00
